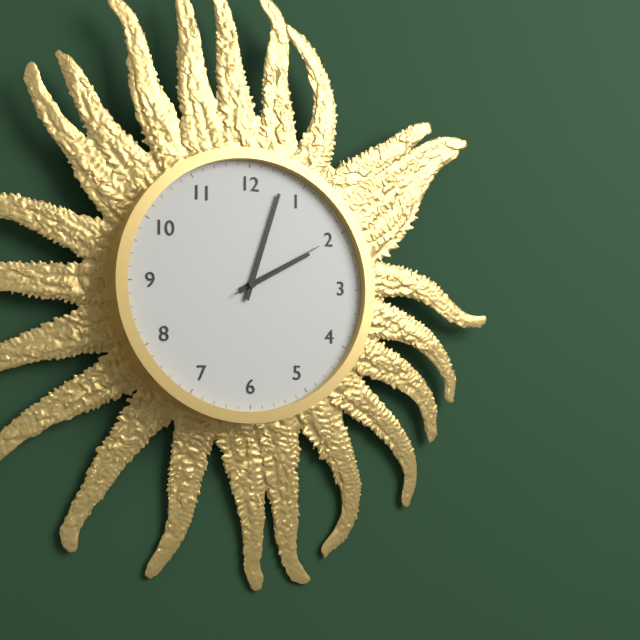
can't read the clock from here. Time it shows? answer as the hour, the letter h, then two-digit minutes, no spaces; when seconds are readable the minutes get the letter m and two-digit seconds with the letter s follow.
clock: 2h03m10s
